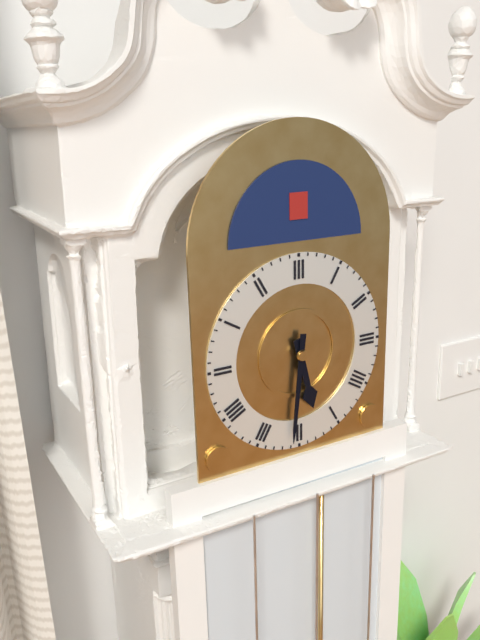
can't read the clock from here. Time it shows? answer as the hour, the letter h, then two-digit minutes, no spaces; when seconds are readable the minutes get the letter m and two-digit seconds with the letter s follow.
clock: 5h31
